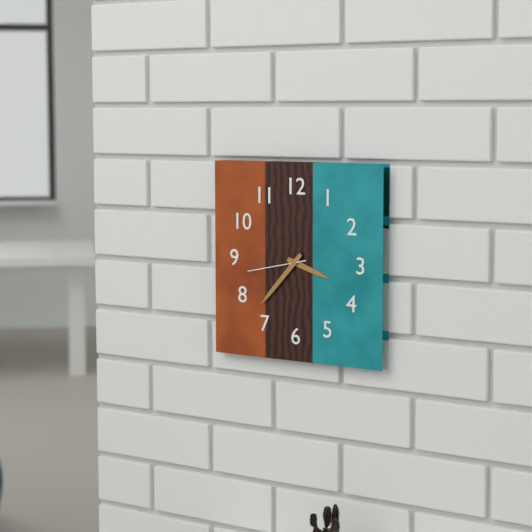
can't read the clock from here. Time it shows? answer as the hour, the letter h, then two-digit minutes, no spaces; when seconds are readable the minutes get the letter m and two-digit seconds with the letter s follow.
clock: 3h37m43s
